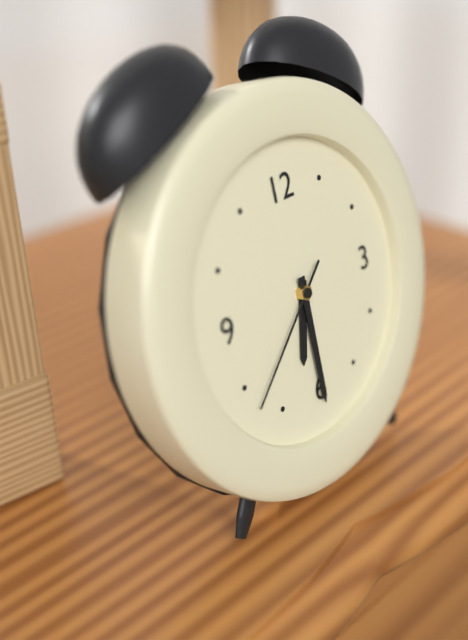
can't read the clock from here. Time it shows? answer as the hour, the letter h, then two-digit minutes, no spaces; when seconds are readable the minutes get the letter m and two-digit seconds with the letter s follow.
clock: 6h30m38s
